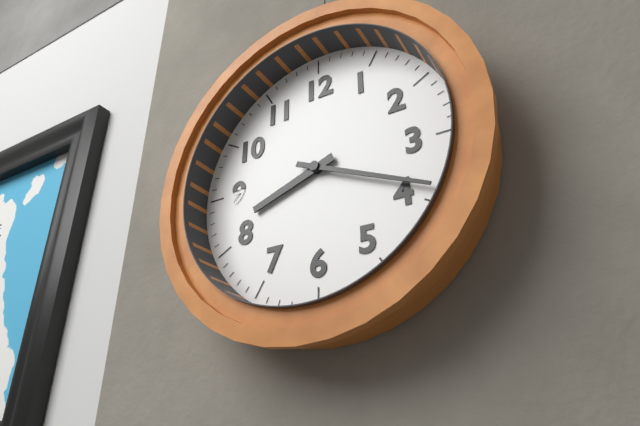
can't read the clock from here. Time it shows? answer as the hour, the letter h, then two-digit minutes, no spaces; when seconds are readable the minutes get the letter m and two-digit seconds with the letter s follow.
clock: 8h19
